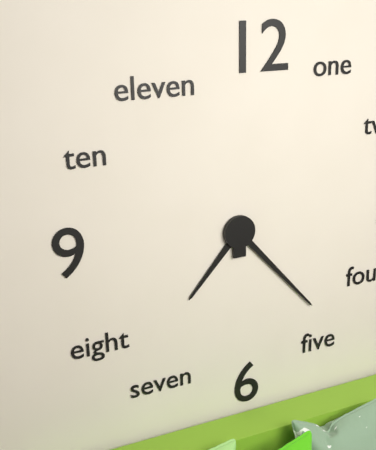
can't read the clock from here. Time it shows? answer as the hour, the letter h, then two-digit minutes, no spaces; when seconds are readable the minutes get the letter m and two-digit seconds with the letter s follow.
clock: 7h23
